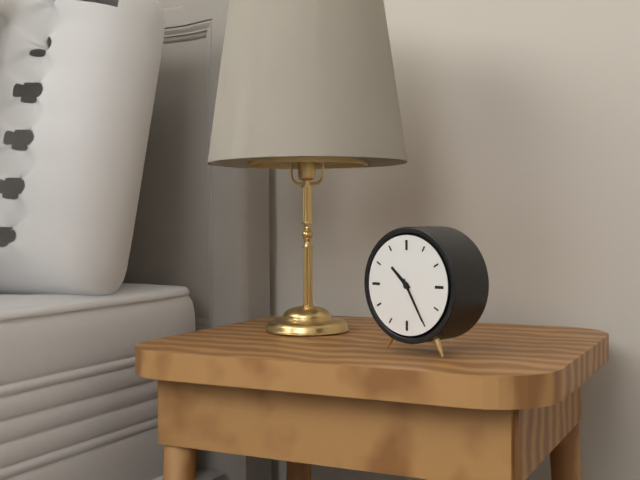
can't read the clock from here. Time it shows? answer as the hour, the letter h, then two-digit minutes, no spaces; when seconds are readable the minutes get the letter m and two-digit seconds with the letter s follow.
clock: 10h25
